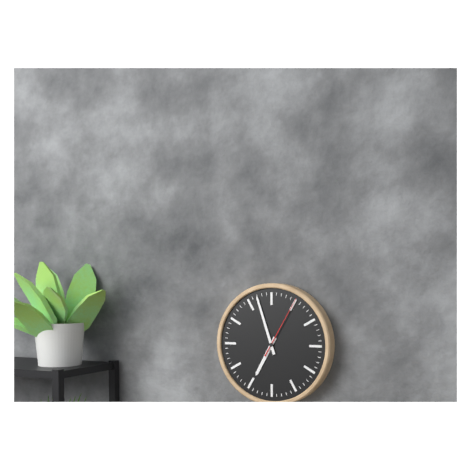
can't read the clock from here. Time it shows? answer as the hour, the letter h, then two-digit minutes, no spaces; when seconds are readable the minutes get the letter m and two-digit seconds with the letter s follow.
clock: 6h57m05s
